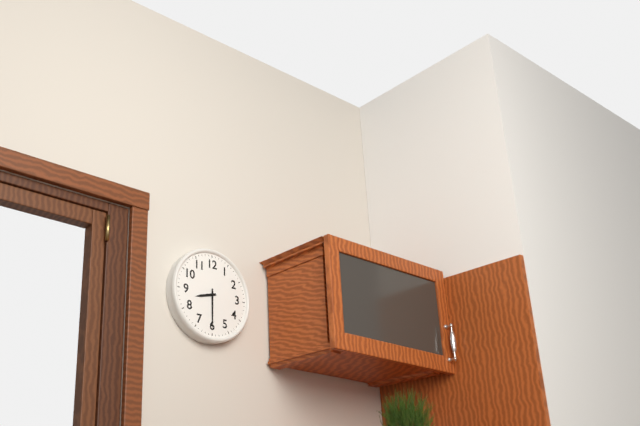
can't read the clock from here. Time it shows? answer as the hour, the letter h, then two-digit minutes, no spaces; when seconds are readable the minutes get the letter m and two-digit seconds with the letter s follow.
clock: 8h30
